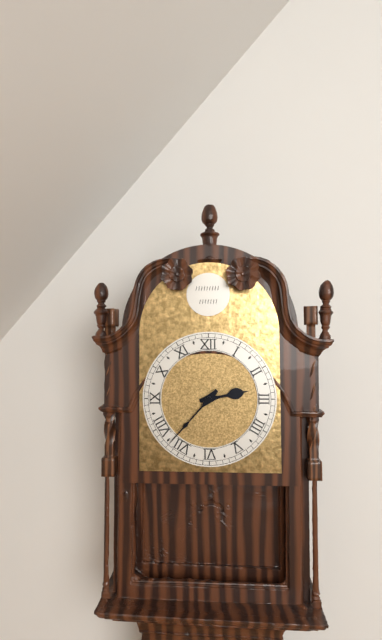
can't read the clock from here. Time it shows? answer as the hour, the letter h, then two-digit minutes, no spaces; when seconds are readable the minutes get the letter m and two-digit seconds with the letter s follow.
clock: 2h37
